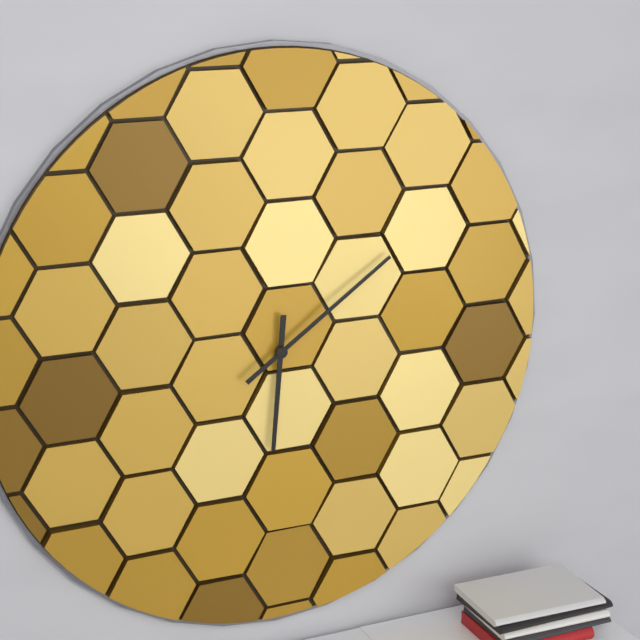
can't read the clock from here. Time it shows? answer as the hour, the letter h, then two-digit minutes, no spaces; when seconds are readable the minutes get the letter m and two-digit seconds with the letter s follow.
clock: 6h09
